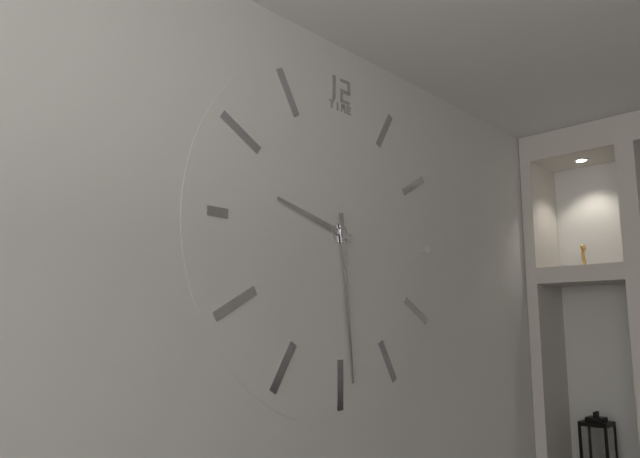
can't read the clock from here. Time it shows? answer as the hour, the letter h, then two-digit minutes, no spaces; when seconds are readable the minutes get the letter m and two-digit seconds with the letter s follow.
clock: 9h29
